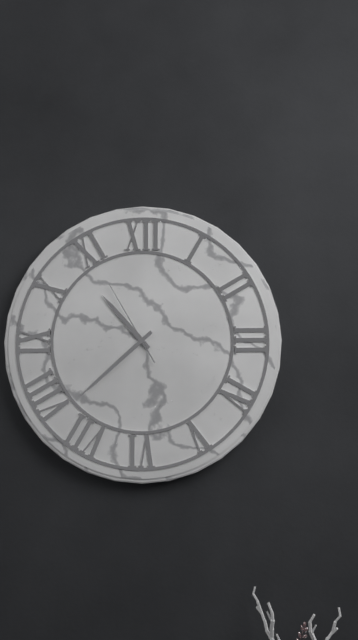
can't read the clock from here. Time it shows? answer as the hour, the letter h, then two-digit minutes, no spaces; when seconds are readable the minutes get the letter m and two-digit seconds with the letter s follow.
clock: 10h38m55s
